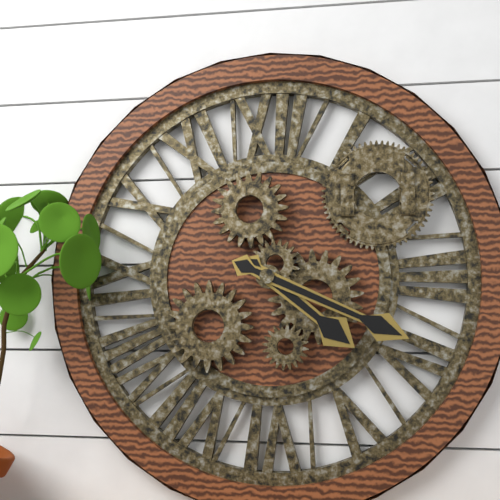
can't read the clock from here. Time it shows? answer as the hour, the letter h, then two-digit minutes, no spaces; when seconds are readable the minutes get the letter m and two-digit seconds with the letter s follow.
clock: 4h19
